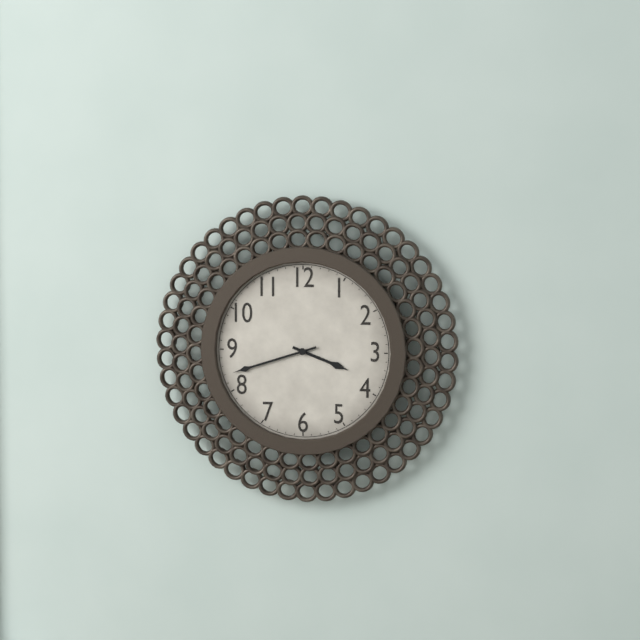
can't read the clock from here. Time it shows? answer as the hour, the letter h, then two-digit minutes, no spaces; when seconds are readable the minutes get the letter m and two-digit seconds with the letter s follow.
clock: 3h42
